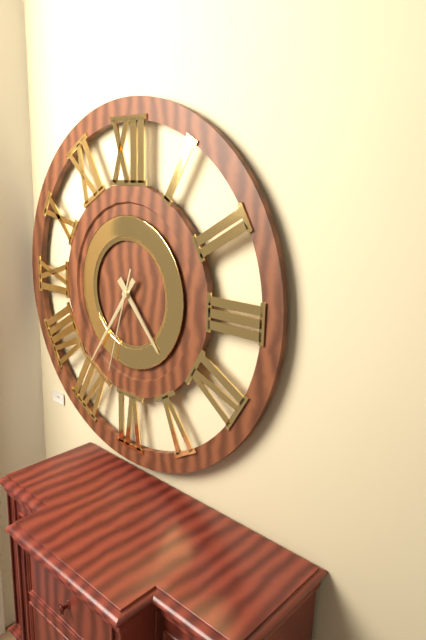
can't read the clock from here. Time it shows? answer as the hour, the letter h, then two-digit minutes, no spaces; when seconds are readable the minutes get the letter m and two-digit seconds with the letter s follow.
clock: 4h36m33s
